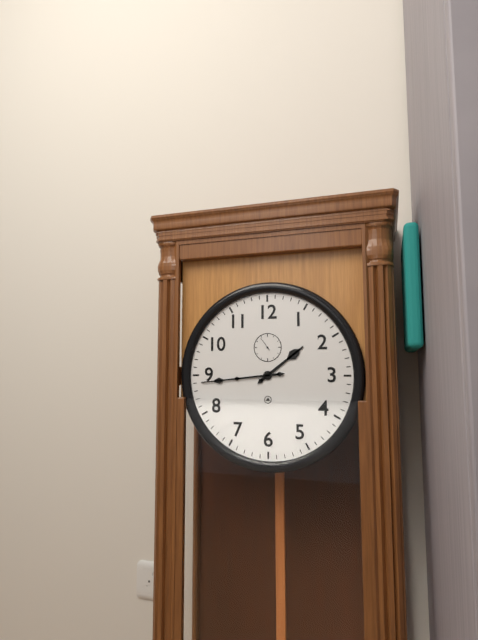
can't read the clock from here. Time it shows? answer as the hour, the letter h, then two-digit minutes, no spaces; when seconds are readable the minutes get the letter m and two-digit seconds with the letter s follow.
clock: 1h44
